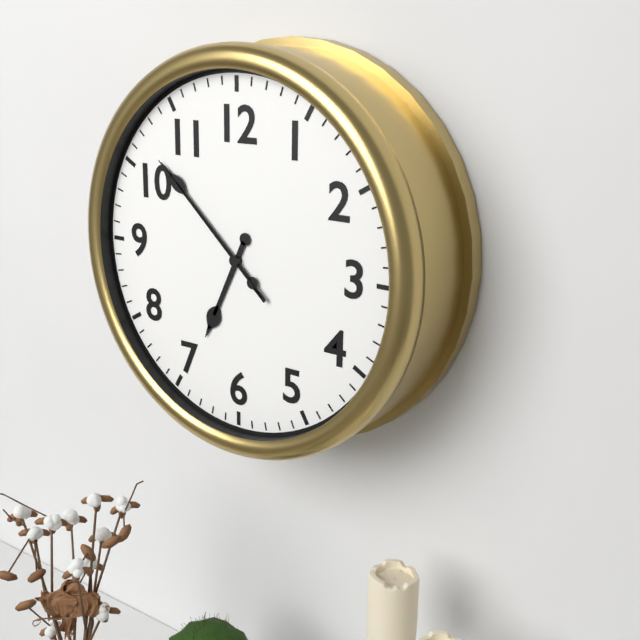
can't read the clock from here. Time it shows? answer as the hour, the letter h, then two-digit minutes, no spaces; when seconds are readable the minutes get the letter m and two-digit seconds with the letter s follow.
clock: 6h52m52s
